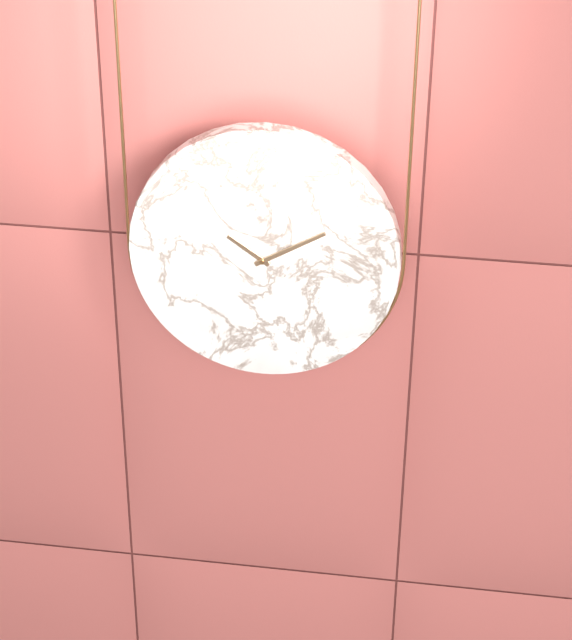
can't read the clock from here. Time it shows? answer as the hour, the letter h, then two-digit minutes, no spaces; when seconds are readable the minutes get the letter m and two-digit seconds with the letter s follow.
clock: 10h10
